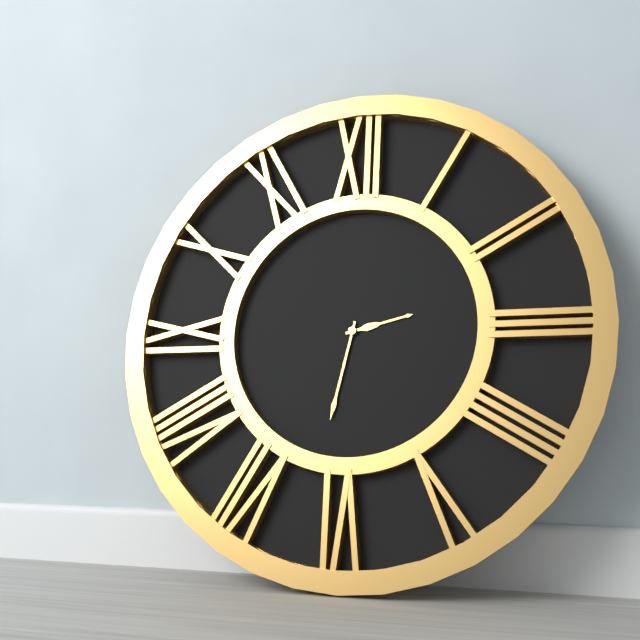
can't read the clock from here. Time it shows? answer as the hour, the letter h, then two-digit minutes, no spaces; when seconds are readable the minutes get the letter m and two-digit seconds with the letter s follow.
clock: 2h32
